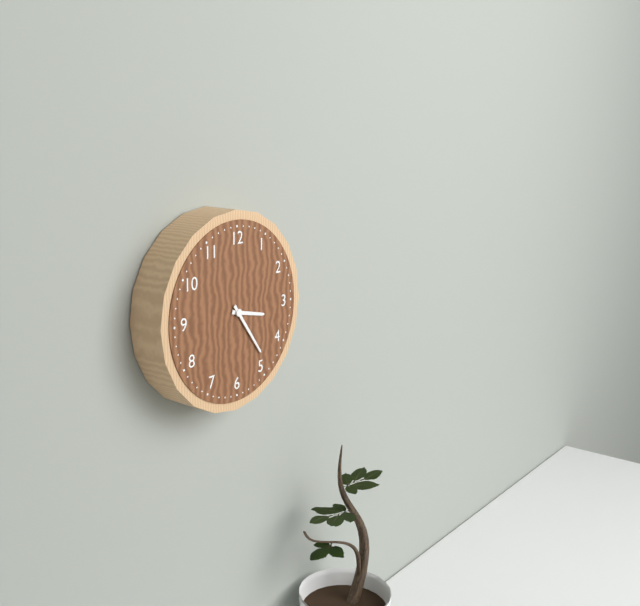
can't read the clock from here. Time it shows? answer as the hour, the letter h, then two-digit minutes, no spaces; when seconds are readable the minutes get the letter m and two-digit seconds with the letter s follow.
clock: 3h24
